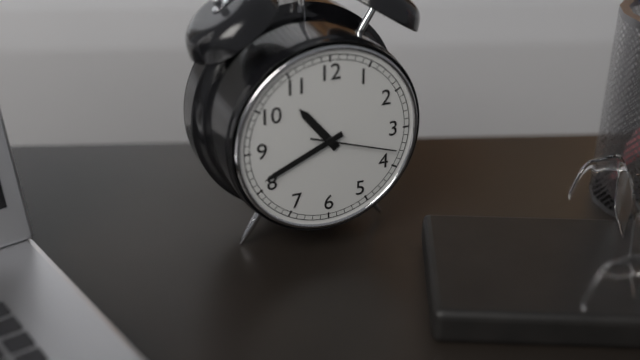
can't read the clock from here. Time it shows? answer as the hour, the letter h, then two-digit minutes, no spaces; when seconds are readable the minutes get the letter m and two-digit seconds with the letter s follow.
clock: 10h41m18s
